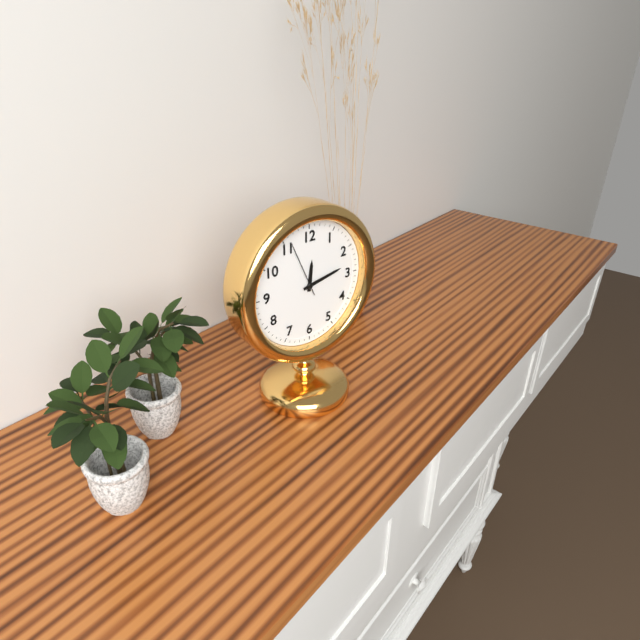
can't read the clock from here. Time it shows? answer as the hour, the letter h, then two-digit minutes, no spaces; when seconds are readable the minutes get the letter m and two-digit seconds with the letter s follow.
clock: 12h13m56s
